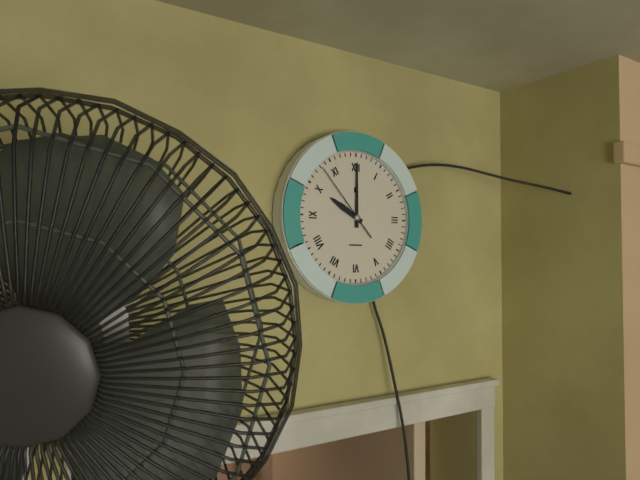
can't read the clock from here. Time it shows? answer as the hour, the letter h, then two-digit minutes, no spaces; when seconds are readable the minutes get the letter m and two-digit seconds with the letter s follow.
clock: 10h00m53s
